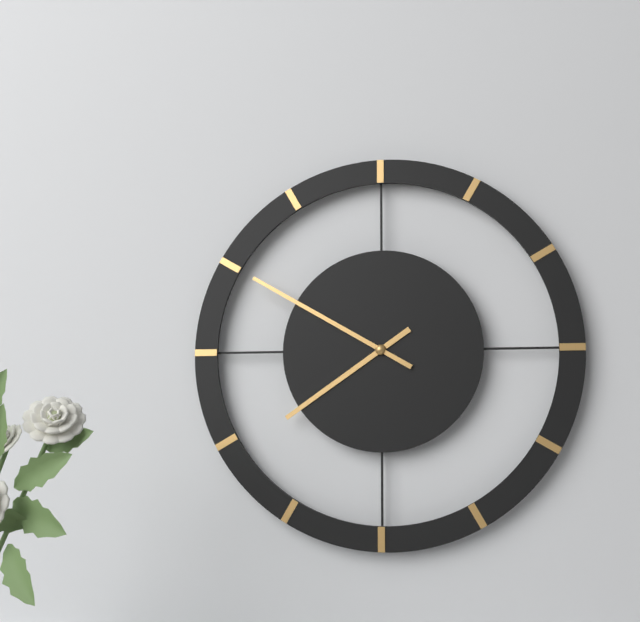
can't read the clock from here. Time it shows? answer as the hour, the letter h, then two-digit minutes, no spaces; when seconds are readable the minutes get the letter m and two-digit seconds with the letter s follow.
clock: 7h50
